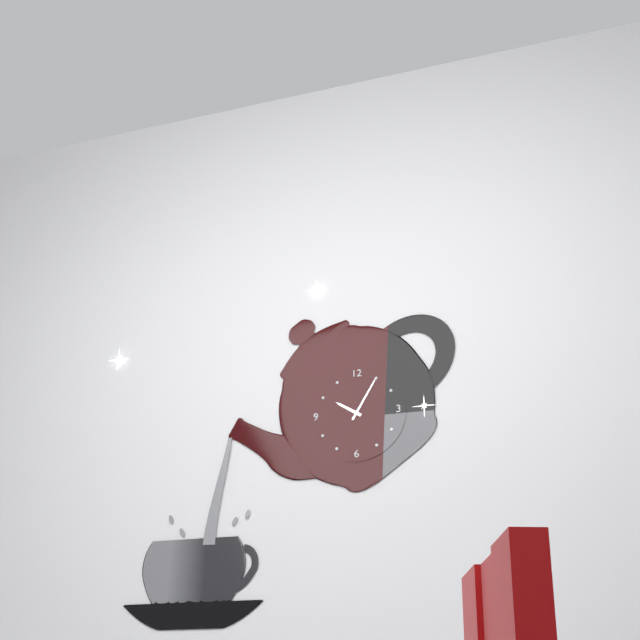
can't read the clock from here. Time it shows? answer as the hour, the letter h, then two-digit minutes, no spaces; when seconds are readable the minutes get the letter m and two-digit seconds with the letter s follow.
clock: 10h05
